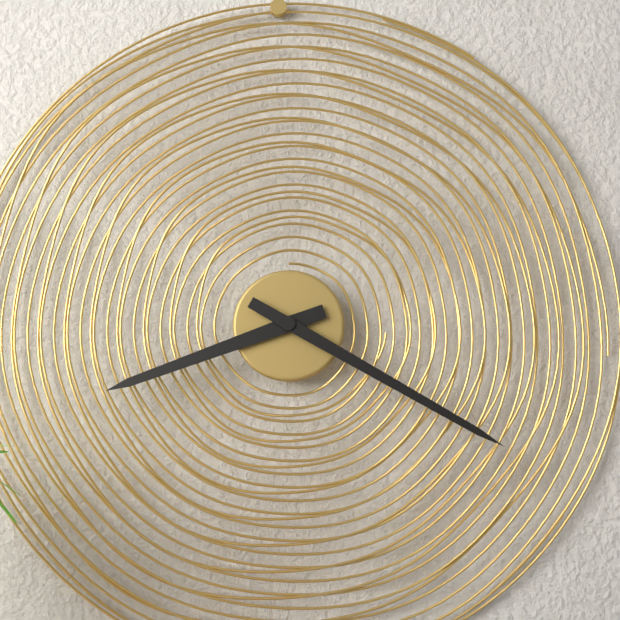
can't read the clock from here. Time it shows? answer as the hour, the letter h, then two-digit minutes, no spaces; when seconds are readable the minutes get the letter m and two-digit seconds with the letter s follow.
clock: 8h20
